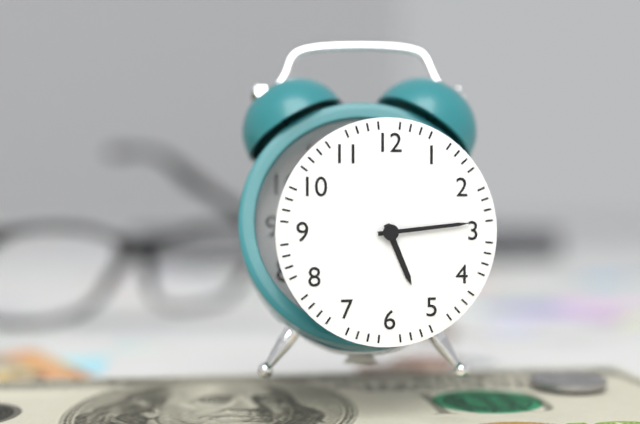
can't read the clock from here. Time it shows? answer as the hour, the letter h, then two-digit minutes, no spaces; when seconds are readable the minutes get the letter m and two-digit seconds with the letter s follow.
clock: 5h14
